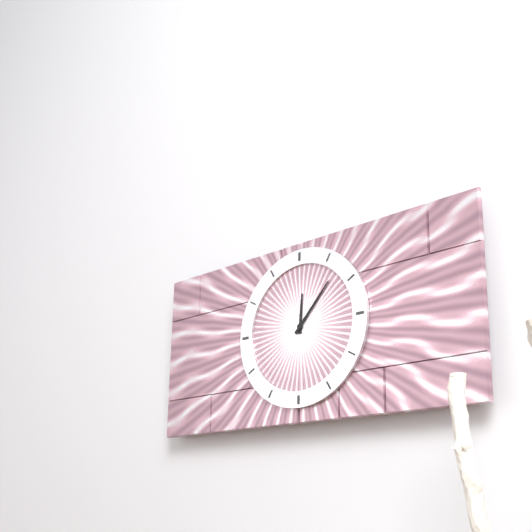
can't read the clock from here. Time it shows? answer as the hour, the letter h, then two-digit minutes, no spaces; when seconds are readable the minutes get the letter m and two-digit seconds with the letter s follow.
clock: 12h07
